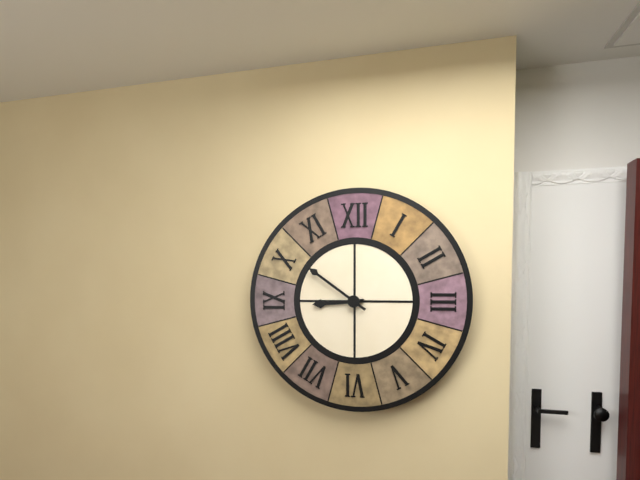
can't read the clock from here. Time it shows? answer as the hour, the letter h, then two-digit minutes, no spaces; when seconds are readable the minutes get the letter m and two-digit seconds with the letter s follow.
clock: 8h51
